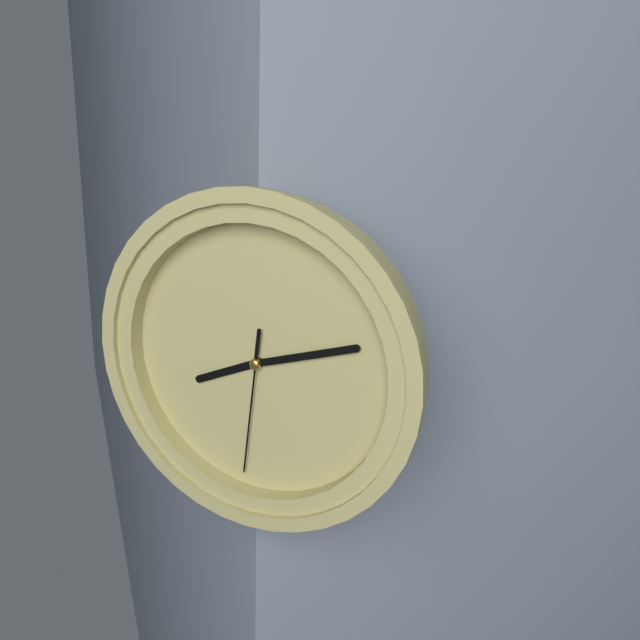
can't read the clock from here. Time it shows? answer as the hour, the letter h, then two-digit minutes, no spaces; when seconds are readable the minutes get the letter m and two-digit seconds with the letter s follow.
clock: 8h12m31s
